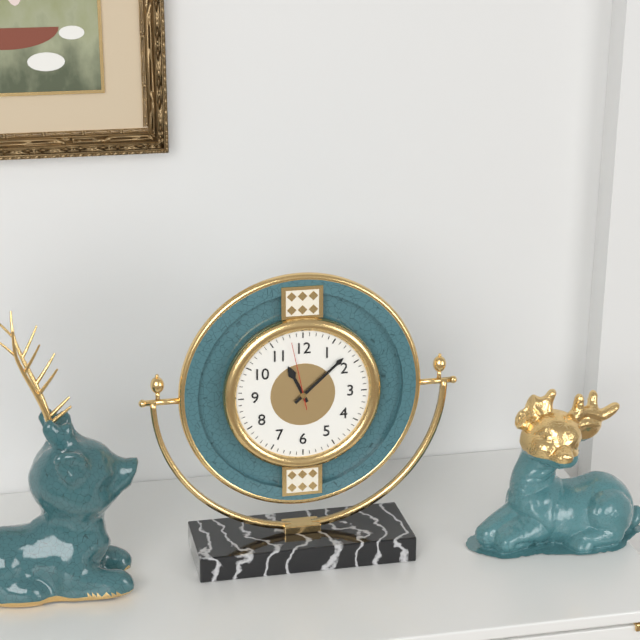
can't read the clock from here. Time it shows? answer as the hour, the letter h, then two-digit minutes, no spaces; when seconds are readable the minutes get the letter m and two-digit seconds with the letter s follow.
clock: 11h08m58s
